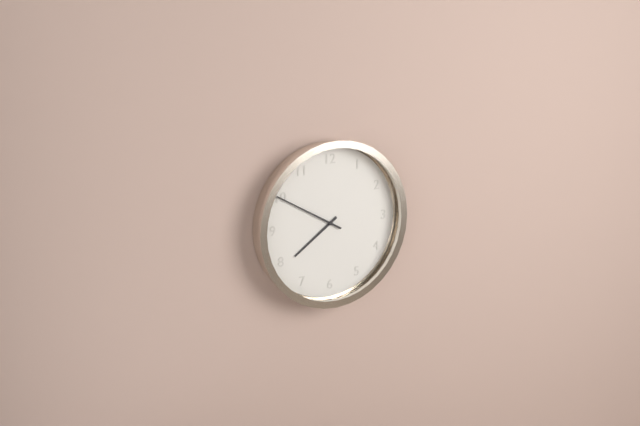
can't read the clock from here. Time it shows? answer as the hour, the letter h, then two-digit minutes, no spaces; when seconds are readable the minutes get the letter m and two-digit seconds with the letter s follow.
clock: 7h50
